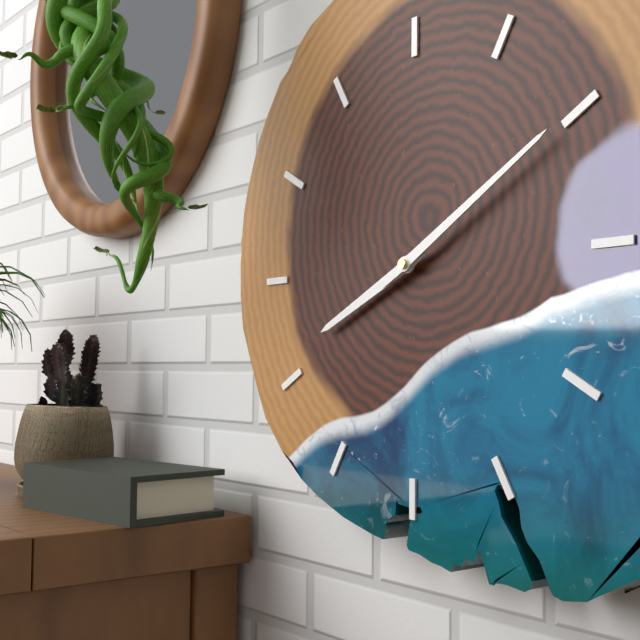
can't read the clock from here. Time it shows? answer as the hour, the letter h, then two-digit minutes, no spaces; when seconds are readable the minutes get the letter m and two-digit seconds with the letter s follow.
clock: 8h10
